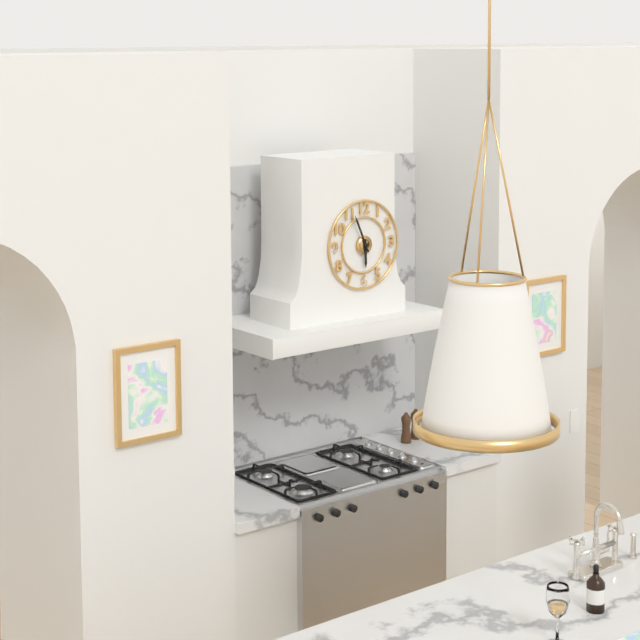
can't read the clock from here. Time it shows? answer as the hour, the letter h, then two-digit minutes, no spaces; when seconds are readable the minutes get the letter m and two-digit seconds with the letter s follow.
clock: 5h56
